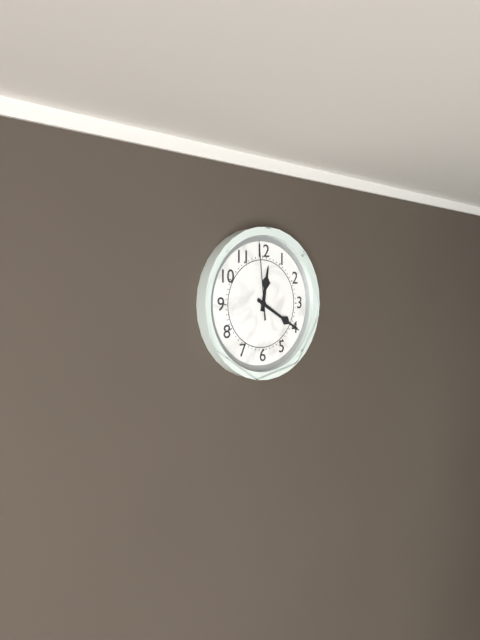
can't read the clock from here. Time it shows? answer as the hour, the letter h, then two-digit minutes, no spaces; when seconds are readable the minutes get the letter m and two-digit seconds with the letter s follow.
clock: 12h20m59s
